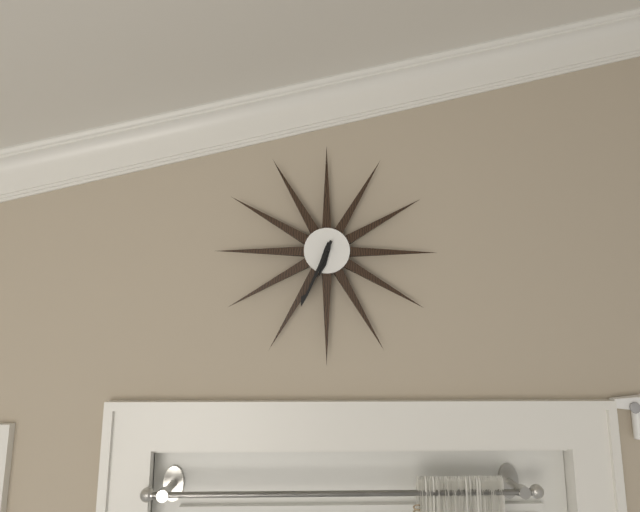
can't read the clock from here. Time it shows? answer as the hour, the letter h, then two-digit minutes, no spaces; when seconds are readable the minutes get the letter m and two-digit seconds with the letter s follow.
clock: 6h34
